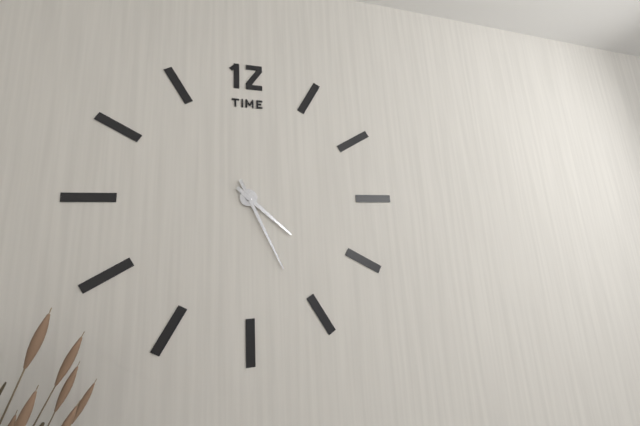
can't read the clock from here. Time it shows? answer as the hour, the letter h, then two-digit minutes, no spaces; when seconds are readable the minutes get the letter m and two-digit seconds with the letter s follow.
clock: 4h26
